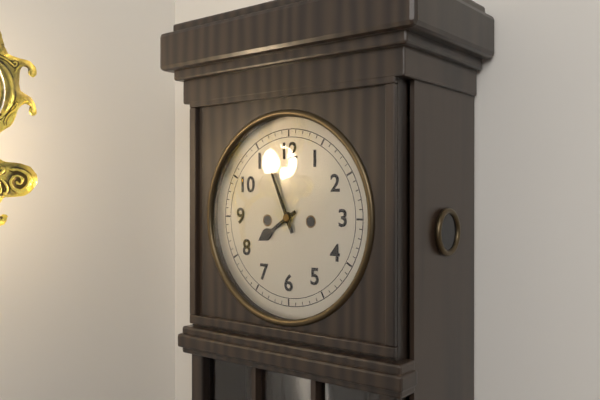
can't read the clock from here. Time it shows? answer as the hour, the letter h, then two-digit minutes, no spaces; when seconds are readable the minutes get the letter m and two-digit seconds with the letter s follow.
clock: 7h56
